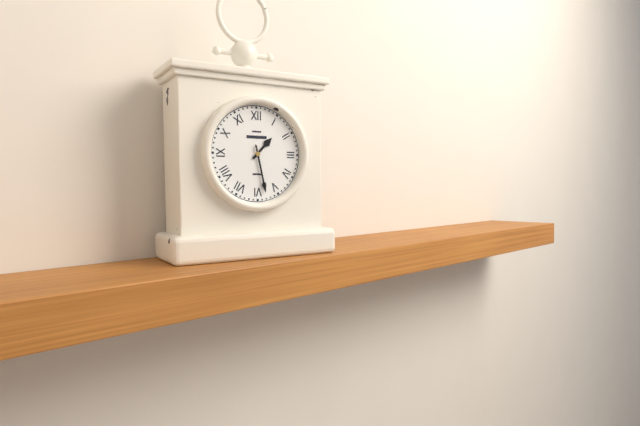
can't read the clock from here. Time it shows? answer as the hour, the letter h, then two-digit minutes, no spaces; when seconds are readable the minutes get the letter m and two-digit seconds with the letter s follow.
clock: 1h28
